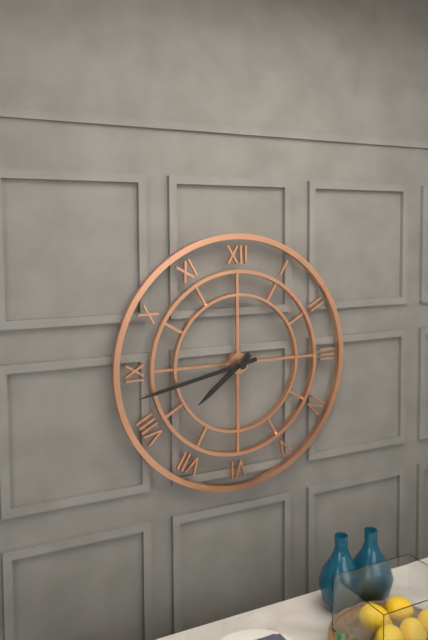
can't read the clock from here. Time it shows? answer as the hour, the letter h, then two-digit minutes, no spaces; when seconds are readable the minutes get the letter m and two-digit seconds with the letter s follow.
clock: 7h43
